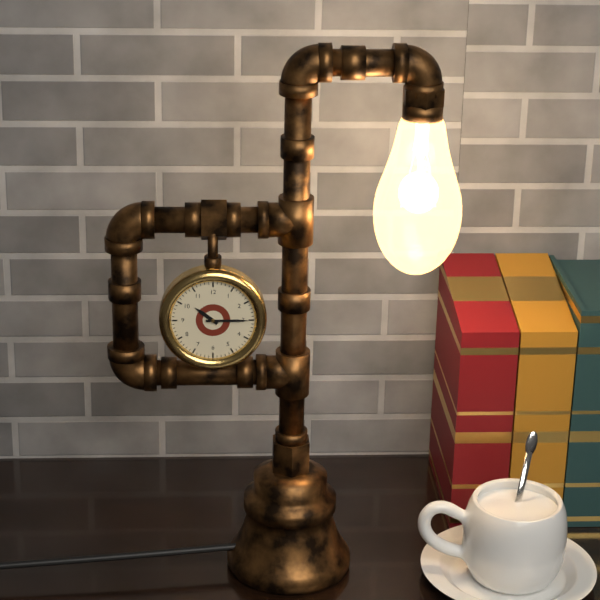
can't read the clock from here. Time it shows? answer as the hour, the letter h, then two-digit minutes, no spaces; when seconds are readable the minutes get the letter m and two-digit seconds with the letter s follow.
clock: 10h15
